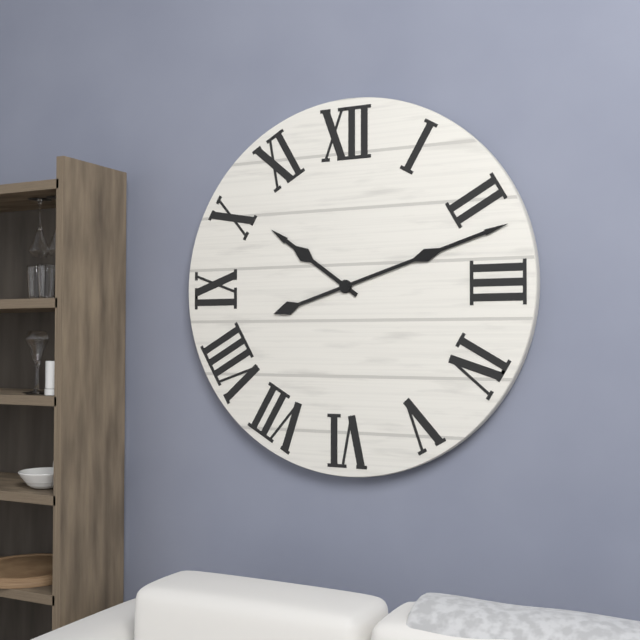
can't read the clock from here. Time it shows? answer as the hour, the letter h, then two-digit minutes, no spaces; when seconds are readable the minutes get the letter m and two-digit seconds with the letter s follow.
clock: 10h12
